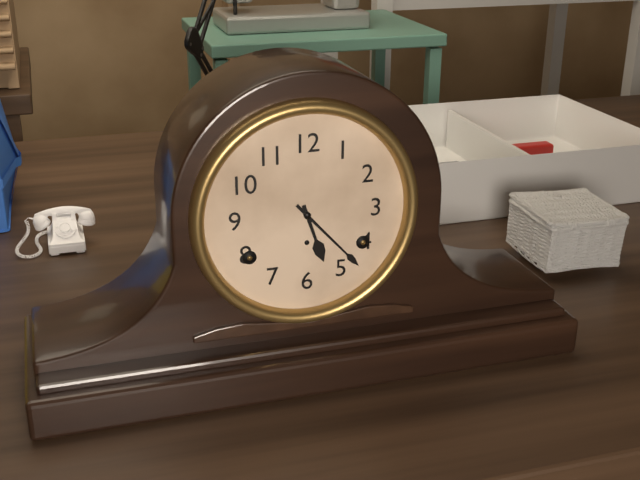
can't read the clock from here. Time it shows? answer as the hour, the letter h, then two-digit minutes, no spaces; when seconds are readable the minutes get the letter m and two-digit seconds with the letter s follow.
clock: 5h23
